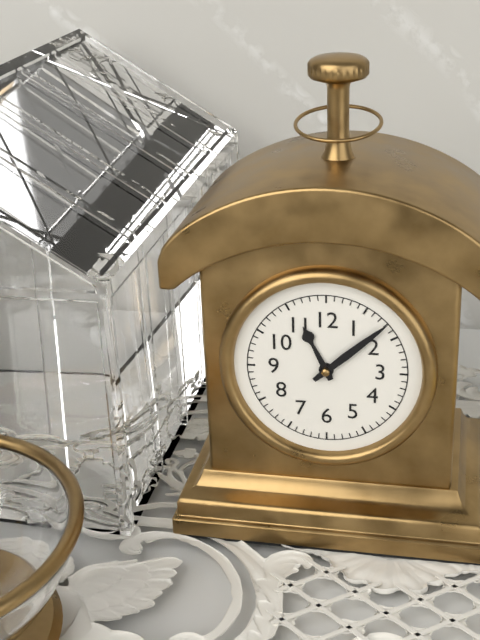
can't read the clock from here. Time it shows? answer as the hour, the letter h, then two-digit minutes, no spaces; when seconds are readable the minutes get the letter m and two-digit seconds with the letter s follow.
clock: 11h08
